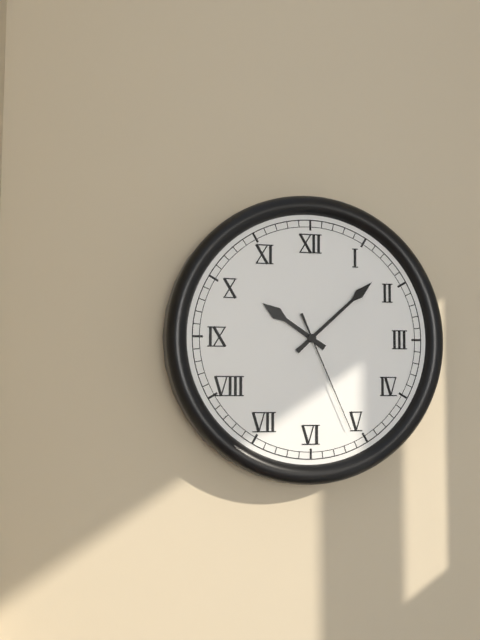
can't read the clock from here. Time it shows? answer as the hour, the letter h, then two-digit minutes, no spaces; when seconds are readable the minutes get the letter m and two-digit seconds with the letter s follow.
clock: 10h08m26s
